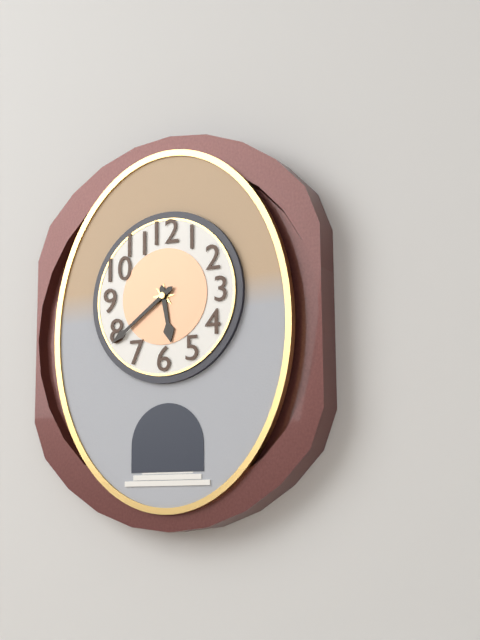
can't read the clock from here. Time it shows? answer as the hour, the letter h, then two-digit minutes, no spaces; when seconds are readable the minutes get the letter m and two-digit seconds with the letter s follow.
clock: 5h39
